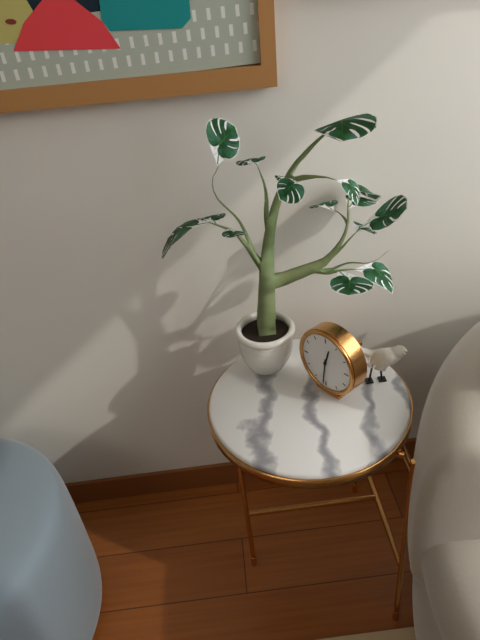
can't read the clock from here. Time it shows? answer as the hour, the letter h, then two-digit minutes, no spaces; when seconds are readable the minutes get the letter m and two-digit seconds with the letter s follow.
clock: 12h31
